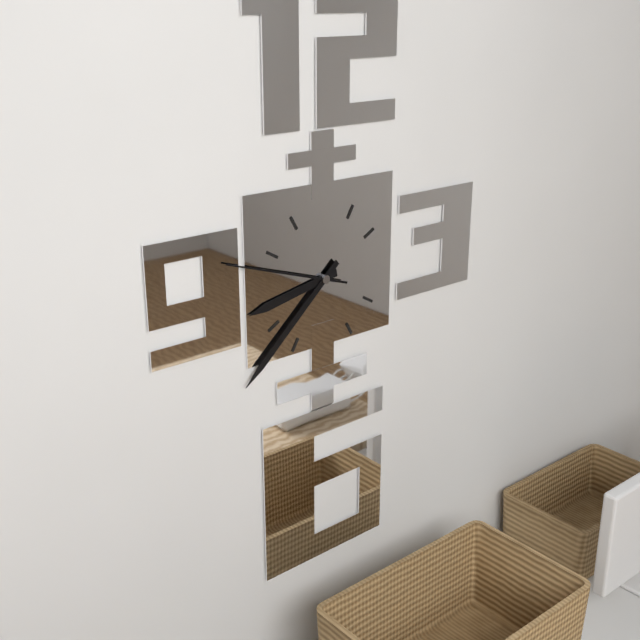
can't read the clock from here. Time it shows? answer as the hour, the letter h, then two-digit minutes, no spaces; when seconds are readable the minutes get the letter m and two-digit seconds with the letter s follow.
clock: 8h38m48s
